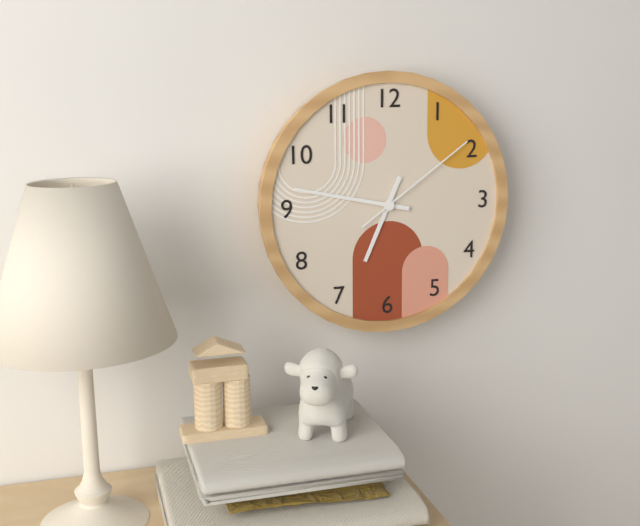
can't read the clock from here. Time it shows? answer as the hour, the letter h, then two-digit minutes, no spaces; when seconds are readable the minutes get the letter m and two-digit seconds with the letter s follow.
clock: 6h47m09s
